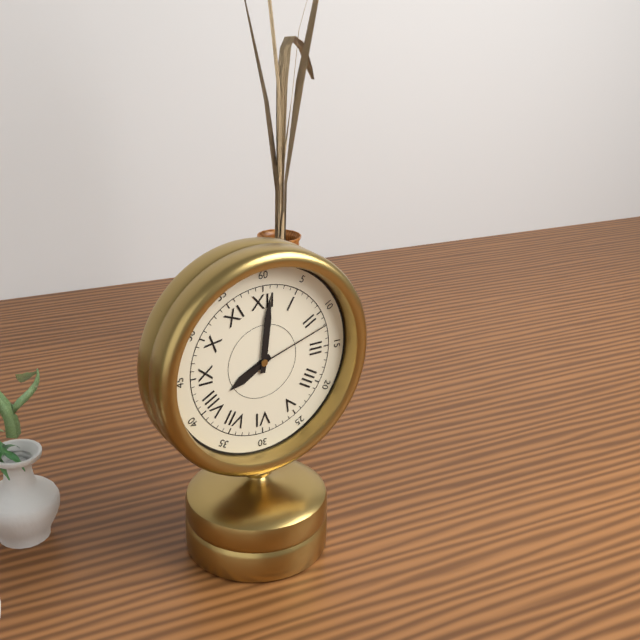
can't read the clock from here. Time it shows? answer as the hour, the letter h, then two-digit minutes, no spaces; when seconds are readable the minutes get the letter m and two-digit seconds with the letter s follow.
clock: 8h01m12s
